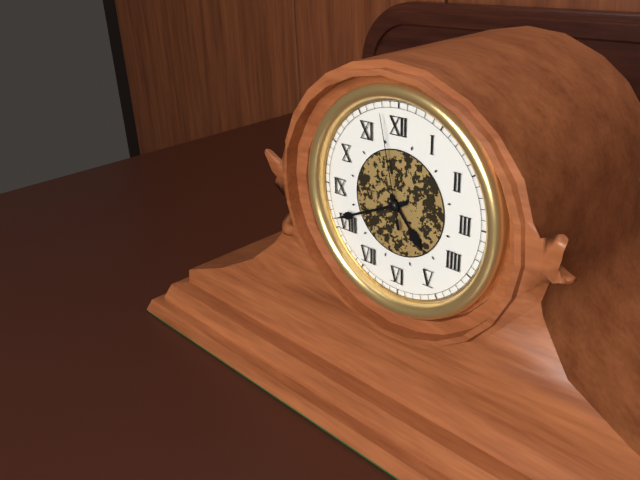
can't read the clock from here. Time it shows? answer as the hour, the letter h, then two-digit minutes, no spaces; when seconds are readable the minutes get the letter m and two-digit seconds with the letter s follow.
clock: 4h41m58s
